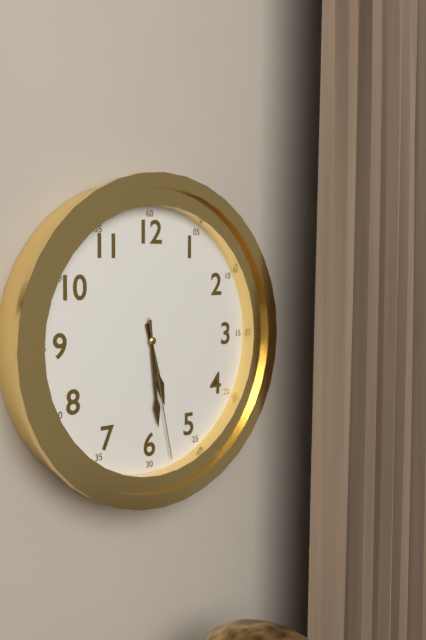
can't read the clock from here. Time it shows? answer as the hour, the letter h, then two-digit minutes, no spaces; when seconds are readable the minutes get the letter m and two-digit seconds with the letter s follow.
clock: 5h29m28s
